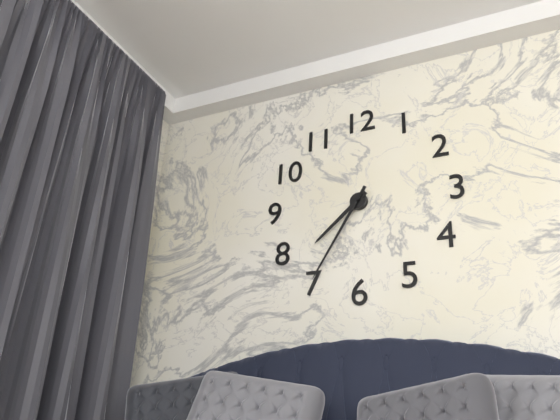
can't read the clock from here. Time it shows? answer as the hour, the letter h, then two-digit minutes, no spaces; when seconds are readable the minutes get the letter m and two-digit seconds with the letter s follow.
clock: 7h35
